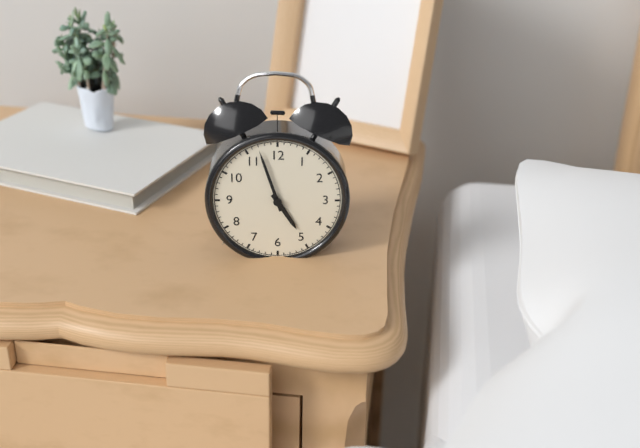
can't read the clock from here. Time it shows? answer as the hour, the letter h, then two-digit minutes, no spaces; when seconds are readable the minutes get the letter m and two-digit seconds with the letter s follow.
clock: 4h57
